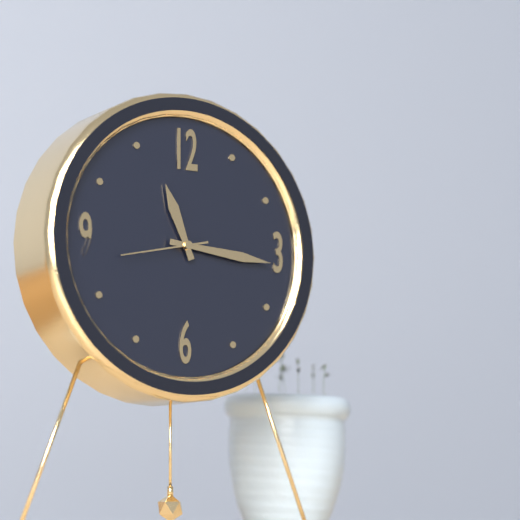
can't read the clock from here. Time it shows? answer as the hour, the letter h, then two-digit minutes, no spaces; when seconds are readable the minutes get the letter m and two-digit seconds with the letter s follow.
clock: 11h16m43s
